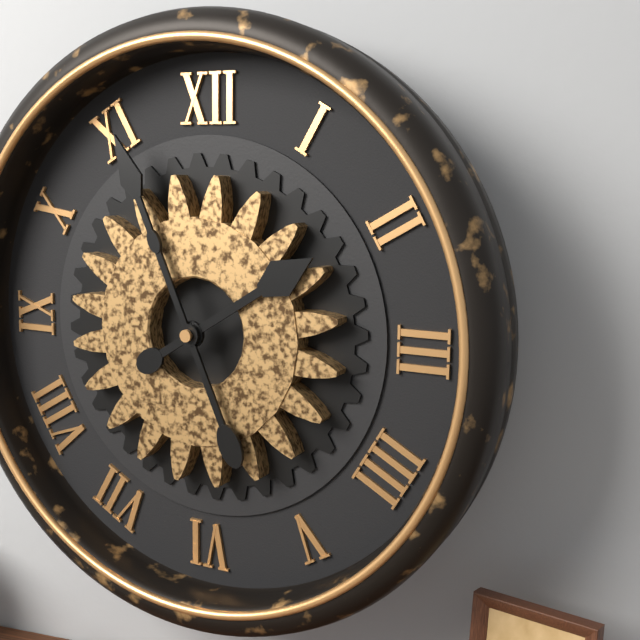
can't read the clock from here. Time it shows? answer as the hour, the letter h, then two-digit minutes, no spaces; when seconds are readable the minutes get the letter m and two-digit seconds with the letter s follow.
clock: 1h56
